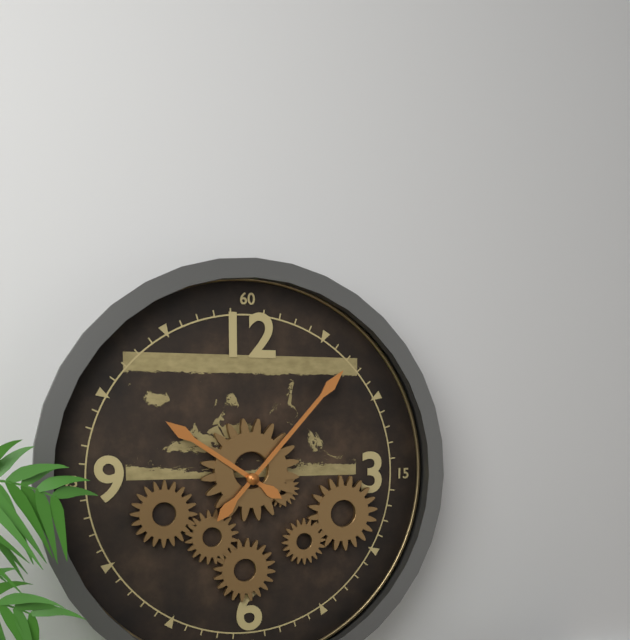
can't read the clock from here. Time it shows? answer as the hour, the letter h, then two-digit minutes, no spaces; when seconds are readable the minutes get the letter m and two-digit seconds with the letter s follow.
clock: 10h07
